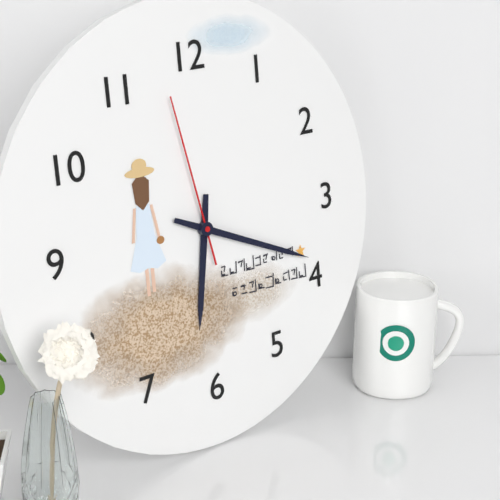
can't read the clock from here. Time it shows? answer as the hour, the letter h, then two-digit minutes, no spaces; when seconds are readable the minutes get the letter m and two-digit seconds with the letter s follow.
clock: 6h19m58s
